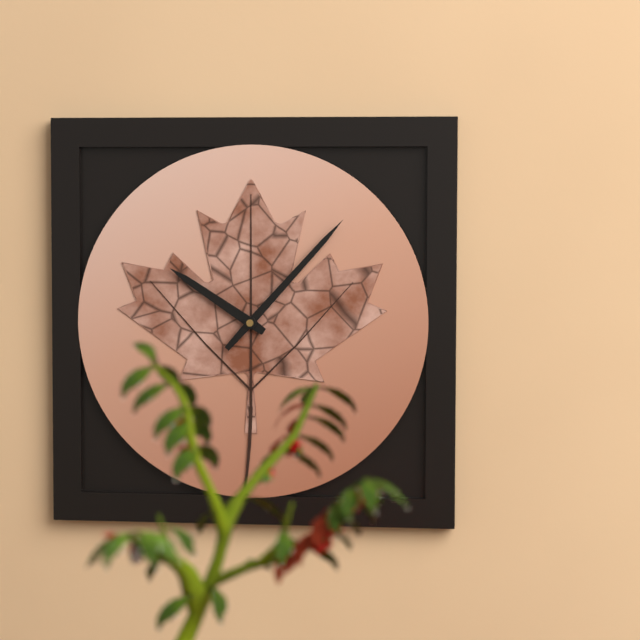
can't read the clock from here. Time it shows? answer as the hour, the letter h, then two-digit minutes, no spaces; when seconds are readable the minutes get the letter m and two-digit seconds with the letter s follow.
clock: 10h07
